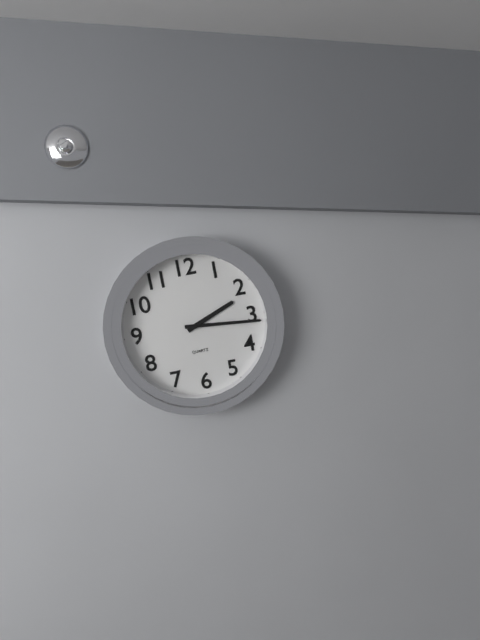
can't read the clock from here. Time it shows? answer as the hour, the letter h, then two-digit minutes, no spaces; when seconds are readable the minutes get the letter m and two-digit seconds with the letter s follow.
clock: 2h16
